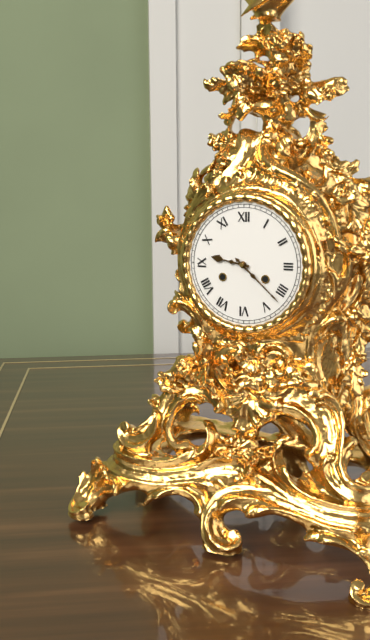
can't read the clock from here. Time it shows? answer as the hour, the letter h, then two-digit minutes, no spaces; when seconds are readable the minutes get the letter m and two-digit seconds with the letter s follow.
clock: 9h22
